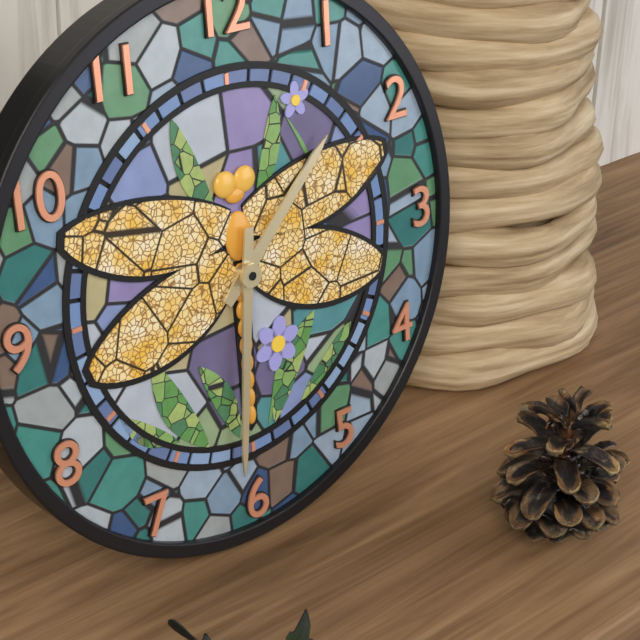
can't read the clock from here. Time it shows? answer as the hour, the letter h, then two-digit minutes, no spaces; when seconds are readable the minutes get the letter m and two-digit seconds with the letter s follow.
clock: 1h31
